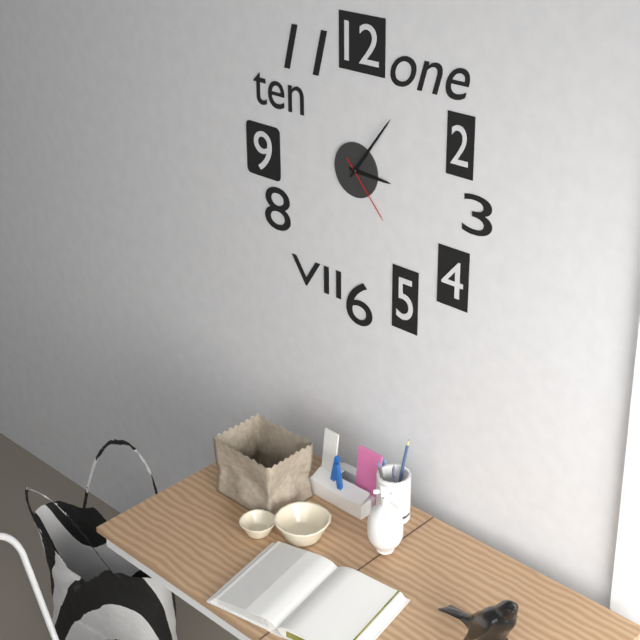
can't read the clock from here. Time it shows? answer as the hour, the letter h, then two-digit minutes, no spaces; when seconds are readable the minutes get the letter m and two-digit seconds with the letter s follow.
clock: 3h06m23s
